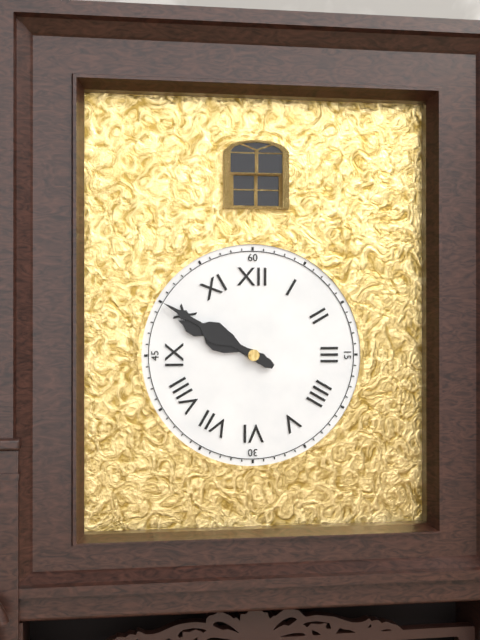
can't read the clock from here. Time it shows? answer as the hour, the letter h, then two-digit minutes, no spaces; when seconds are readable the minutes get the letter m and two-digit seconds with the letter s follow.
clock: 9h50
